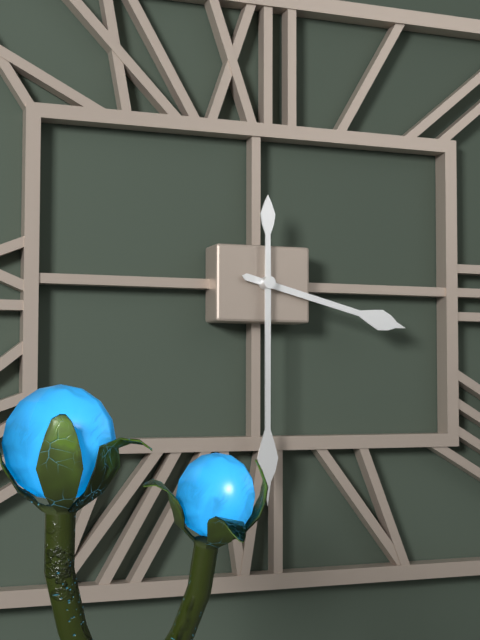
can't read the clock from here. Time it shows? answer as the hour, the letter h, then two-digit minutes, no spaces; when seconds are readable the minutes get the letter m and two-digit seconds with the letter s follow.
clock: 3h30
